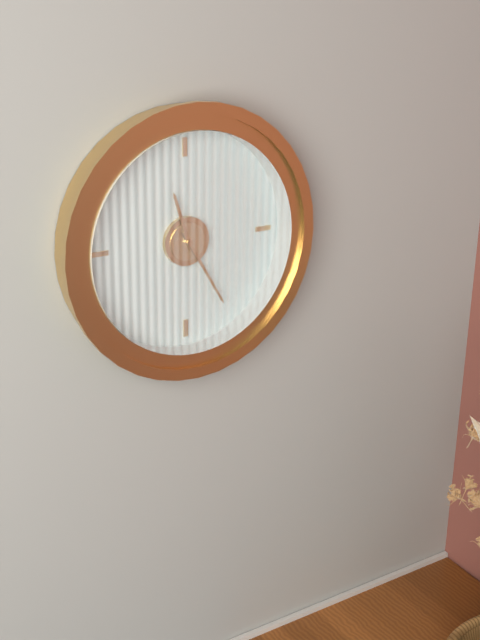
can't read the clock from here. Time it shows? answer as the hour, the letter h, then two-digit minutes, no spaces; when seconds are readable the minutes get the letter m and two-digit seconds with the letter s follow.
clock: 11h25
